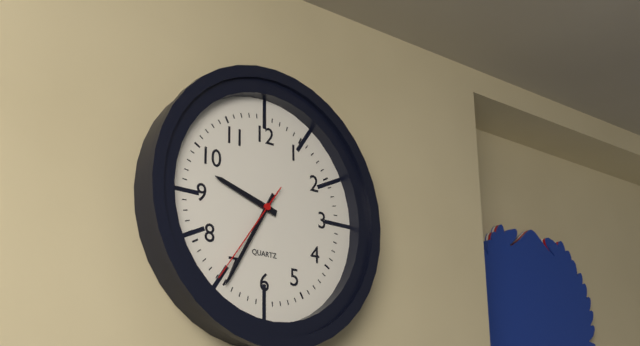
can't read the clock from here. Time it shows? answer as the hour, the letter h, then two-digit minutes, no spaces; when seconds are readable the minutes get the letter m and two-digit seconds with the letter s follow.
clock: 9h35m36s
